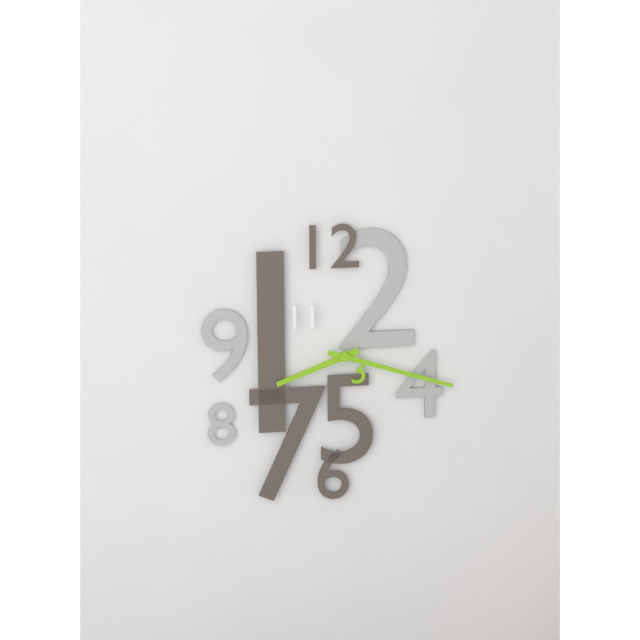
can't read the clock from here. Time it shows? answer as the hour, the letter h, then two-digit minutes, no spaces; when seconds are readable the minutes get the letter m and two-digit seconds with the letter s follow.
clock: 8h18
